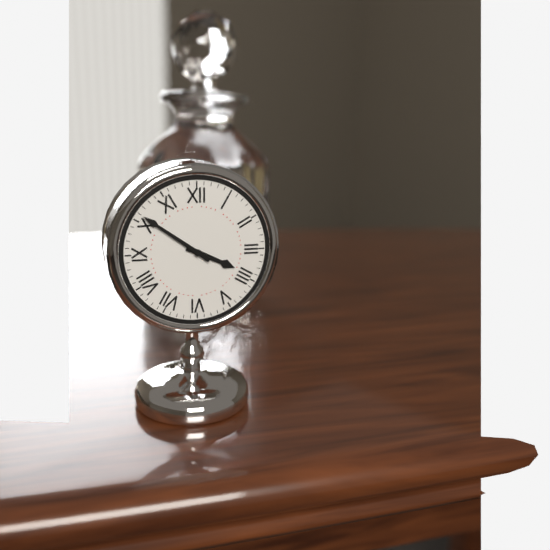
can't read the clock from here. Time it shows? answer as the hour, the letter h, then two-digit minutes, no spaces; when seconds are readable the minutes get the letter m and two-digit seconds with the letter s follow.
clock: 3h51
